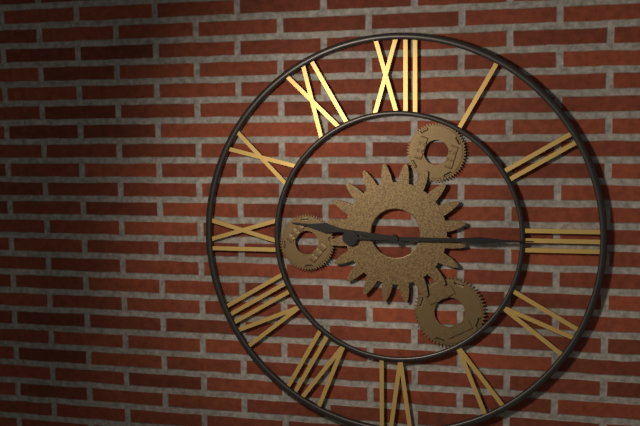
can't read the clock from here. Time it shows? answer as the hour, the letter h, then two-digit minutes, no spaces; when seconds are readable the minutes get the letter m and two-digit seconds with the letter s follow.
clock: 9h15
